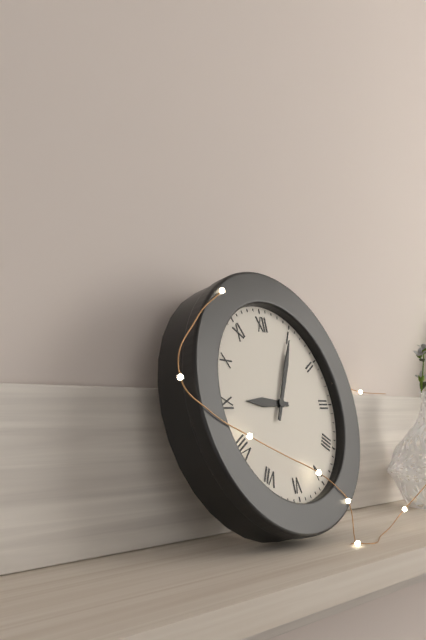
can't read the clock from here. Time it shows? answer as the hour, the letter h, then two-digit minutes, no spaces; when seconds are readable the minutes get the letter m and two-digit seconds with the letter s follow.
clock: 9h05
